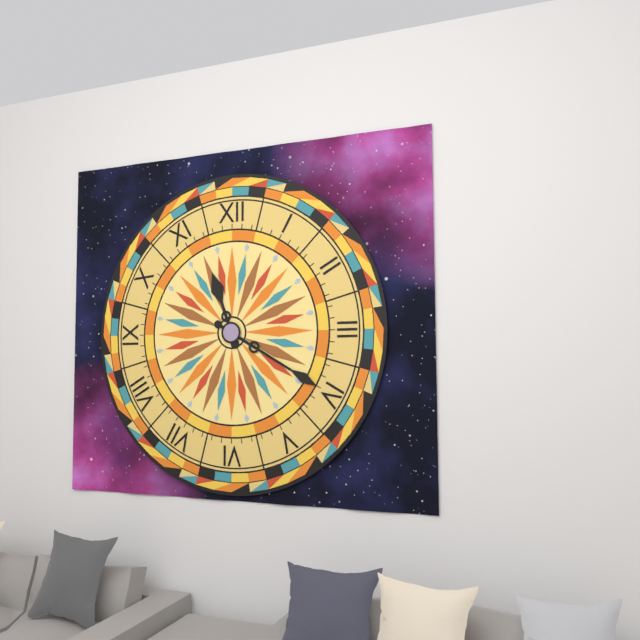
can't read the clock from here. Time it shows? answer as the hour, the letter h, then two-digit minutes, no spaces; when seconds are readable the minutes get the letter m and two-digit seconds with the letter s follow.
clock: 11h20
